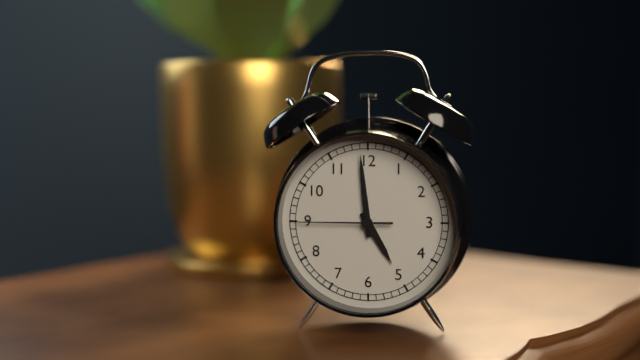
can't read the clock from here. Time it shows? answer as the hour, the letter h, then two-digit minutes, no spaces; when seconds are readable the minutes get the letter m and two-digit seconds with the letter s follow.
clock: 4h59m45s
